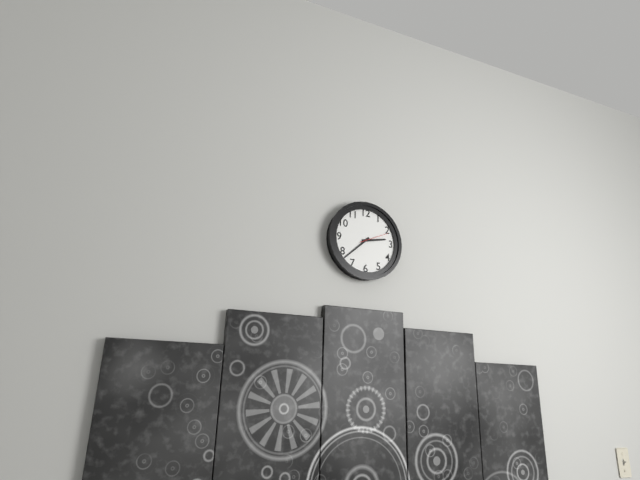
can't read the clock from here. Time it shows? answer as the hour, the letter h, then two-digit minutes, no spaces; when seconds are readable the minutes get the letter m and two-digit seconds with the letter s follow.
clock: 2h38
